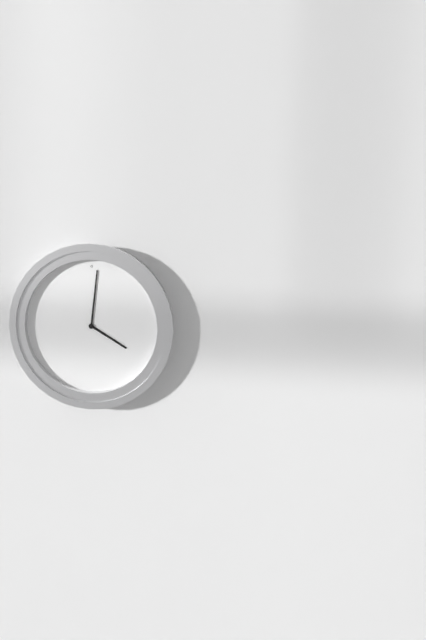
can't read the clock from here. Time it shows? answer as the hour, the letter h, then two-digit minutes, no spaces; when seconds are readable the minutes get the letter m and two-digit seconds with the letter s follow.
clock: 4h01
